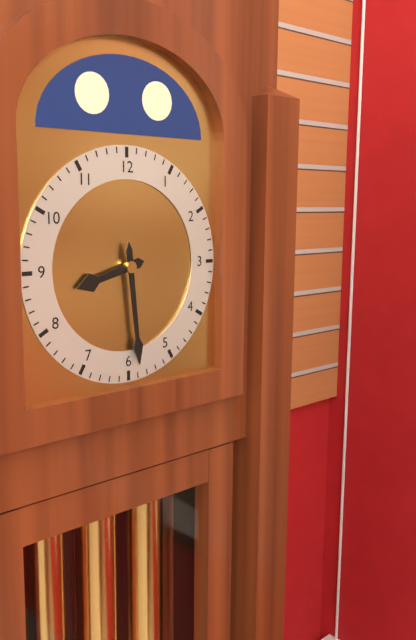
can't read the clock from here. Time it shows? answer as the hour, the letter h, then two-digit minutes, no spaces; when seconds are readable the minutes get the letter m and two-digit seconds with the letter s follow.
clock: 8h29
